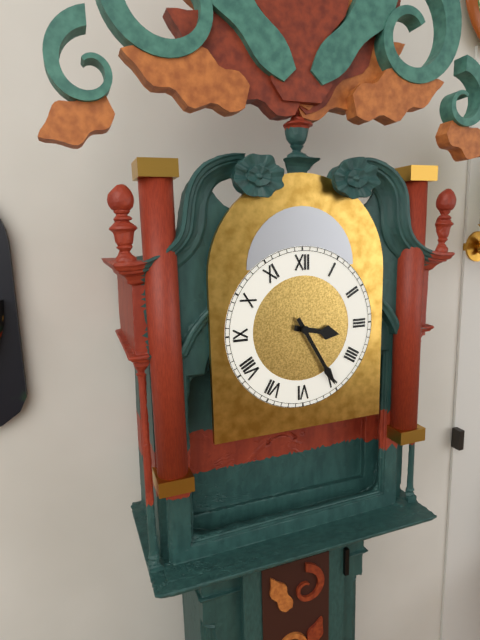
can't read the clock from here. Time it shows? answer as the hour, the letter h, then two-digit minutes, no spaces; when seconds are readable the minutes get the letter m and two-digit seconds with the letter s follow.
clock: 3h25
